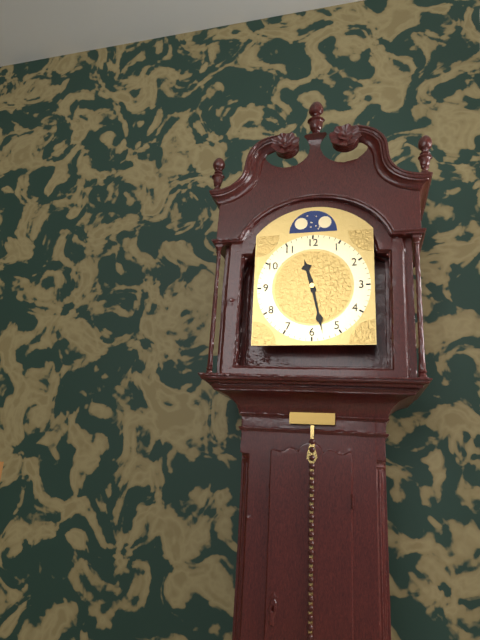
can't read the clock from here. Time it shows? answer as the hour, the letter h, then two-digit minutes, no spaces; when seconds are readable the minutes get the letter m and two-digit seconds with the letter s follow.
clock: 11h28
